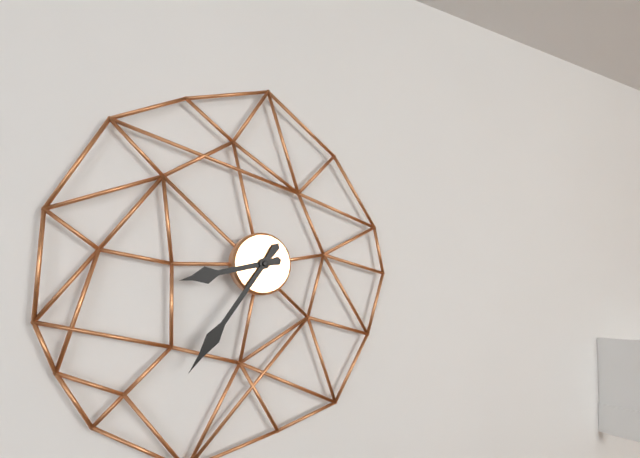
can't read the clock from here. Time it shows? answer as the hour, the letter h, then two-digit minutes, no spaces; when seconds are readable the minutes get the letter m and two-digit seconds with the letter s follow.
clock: 8h36
